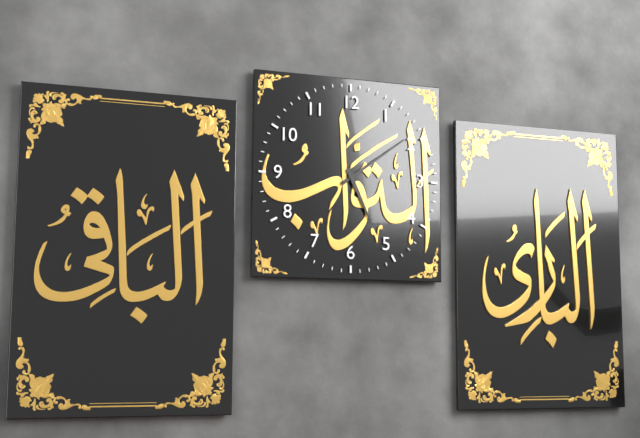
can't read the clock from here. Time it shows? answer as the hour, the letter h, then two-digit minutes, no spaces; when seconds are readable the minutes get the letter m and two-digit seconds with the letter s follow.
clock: 5h09
